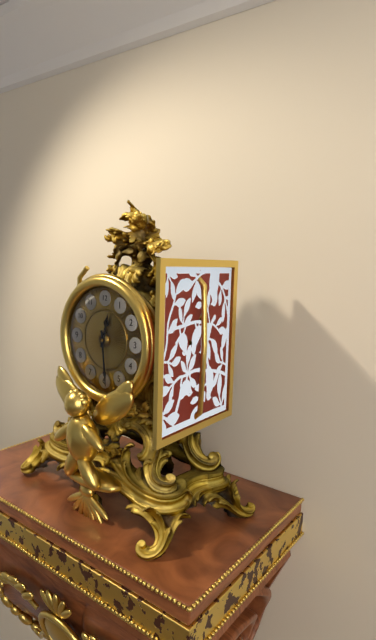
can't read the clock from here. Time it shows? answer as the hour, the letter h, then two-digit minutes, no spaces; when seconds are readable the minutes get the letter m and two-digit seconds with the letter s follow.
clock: 12h29
